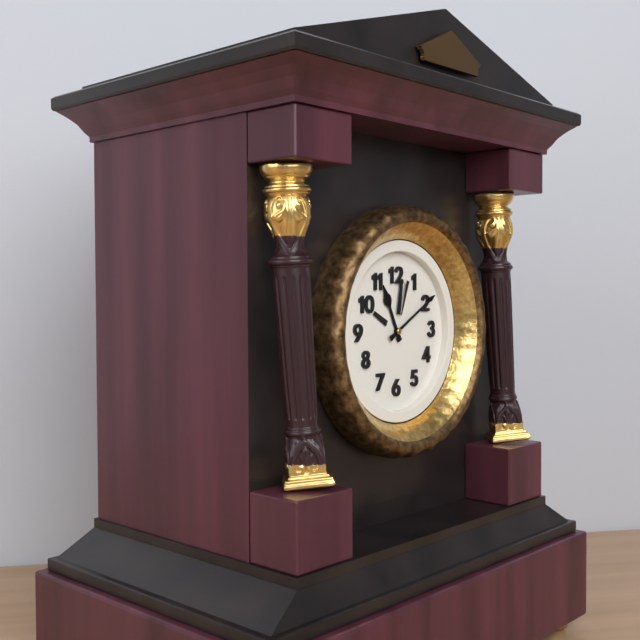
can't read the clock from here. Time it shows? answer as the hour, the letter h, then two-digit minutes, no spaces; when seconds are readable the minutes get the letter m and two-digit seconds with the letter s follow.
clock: 11h10
